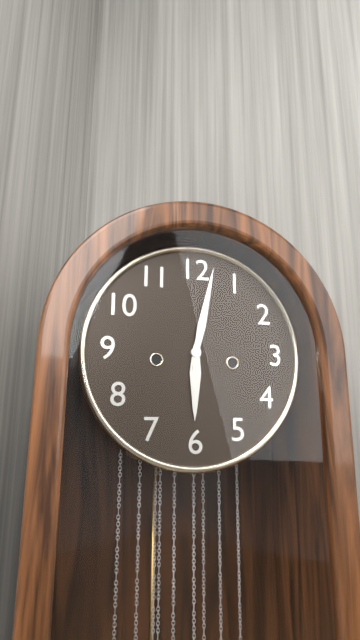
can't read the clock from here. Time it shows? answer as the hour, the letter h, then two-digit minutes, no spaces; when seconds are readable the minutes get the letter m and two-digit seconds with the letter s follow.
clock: 6h02
